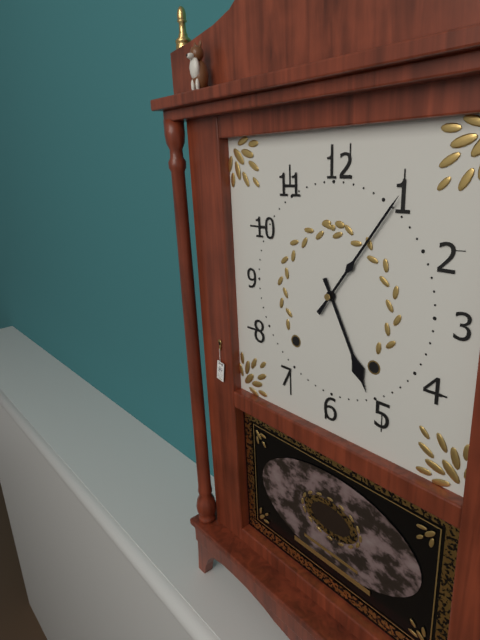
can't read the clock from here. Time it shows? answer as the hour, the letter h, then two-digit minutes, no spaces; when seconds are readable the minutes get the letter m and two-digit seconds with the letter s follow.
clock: 5h06
